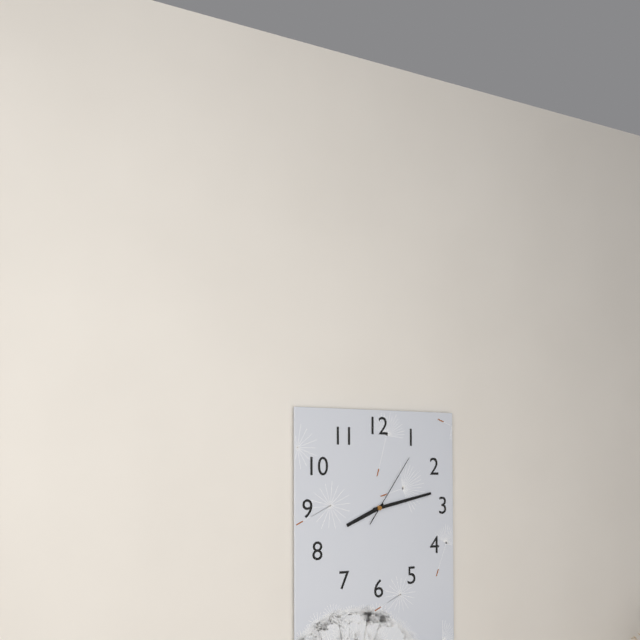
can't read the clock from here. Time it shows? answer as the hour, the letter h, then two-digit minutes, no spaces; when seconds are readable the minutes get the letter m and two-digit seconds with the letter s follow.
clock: 8h13m06s
